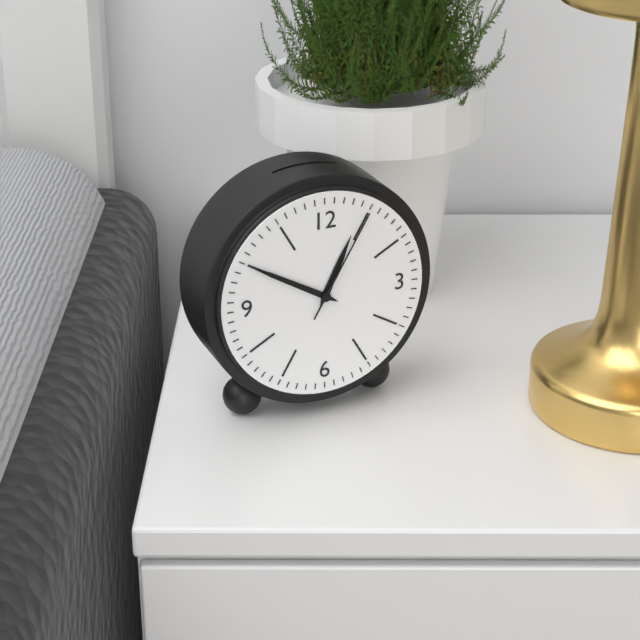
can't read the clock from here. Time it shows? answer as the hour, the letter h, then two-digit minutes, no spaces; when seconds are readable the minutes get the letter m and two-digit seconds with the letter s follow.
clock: 12h50m05s
